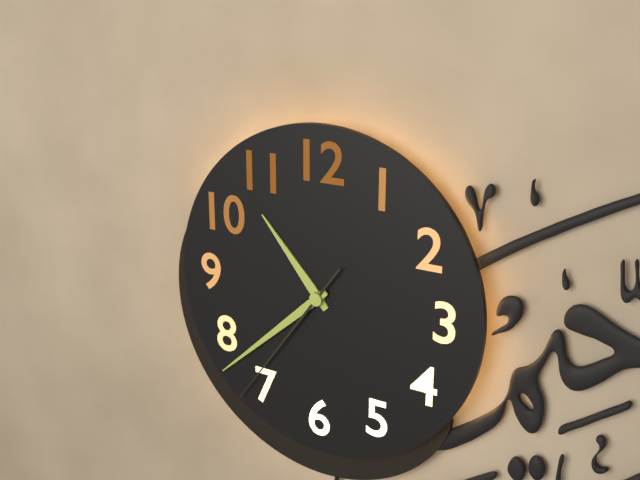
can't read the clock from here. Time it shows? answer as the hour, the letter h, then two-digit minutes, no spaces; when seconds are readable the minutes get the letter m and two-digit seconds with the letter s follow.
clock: 10h38m36s
